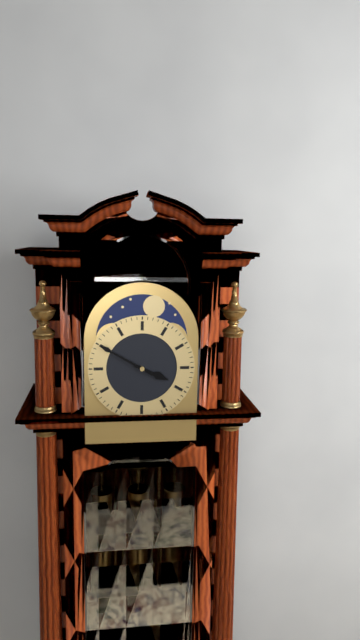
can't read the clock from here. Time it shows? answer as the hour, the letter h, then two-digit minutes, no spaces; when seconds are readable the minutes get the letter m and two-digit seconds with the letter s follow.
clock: 3h50
